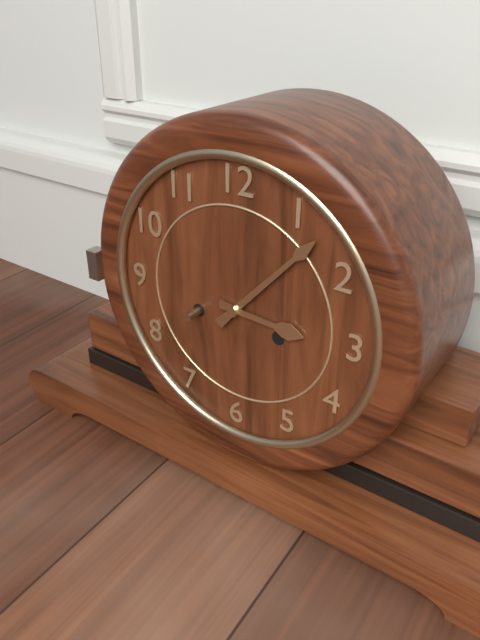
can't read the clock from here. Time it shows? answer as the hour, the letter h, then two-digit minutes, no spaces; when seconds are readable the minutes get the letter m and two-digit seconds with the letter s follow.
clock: 3h07
